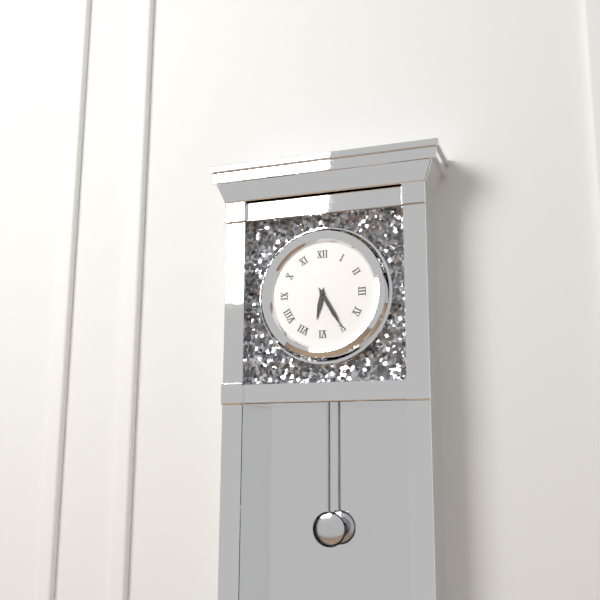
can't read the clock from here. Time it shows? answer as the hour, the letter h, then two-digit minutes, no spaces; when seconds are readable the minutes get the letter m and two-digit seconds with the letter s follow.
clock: 6h25
